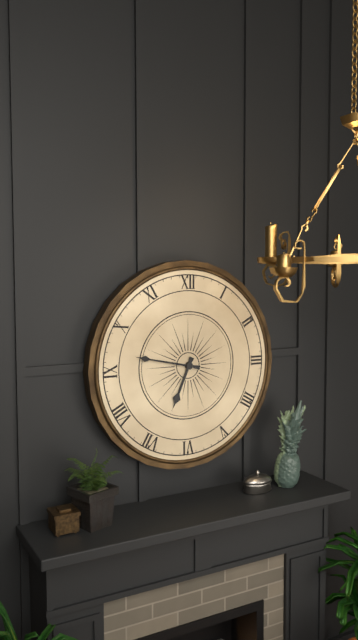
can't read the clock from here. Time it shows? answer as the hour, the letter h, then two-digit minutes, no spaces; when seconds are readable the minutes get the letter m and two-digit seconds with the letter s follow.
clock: 6h47
